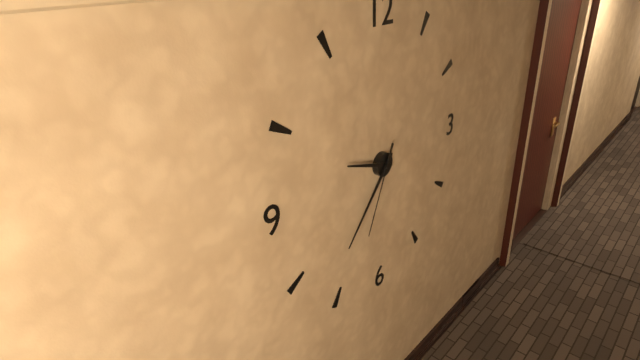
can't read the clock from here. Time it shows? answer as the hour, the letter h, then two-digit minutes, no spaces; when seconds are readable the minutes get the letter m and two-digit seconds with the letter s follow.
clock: 9h37m34s
